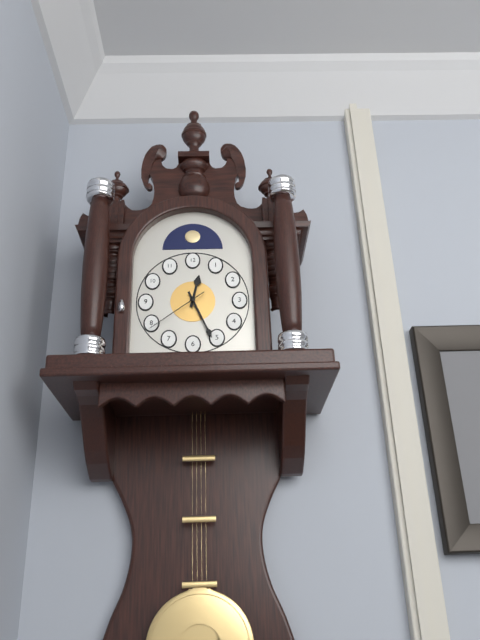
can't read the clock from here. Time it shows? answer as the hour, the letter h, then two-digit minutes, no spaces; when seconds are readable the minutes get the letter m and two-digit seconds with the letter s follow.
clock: 12h26m39s
